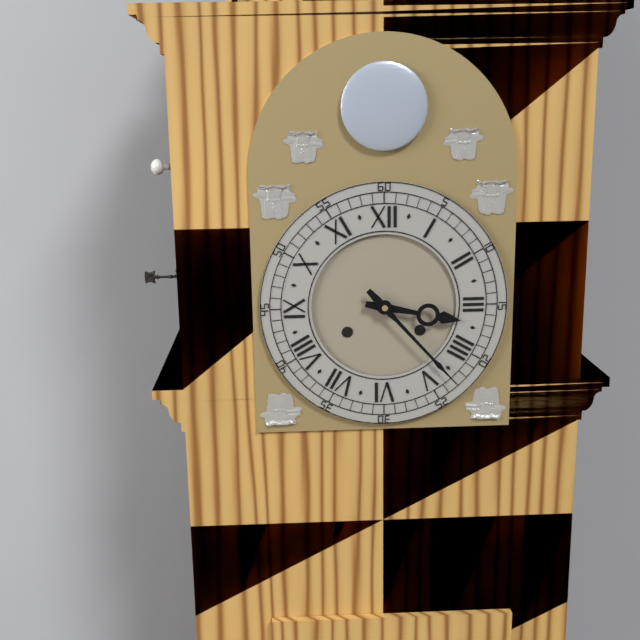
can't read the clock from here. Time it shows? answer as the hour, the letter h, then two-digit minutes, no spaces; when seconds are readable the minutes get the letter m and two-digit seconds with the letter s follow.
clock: 3h23
